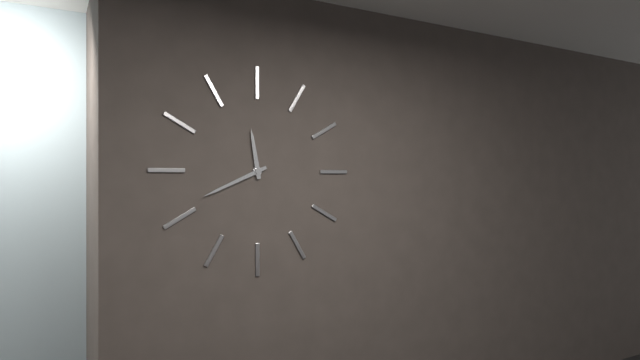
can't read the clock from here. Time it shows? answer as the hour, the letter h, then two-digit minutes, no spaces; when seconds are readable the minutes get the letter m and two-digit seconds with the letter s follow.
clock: 11h41
